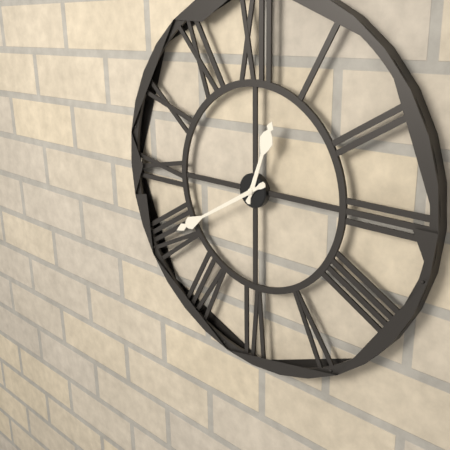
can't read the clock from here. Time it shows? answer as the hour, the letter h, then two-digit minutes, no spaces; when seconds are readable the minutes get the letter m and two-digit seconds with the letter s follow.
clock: 12h40
